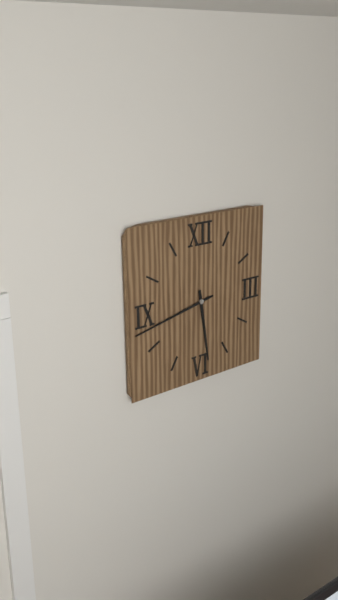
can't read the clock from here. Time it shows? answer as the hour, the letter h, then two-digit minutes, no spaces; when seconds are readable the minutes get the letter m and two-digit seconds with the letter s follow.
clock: 5h43
